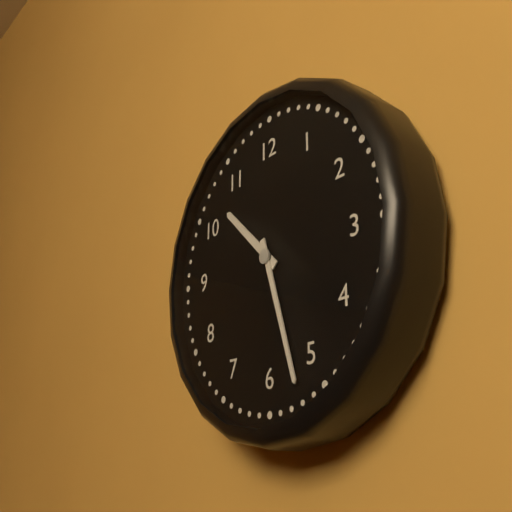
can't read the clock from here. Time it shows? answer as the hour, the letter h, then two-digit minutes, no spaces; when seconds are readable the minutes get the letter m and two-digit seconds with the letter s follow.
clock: 10h27
